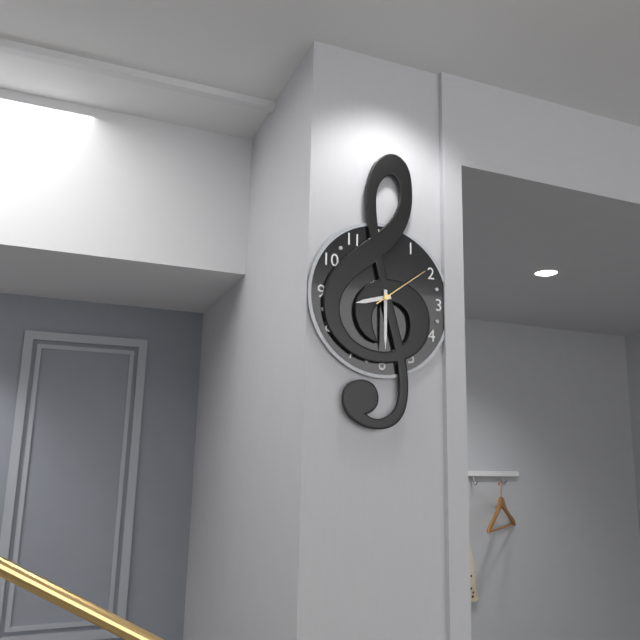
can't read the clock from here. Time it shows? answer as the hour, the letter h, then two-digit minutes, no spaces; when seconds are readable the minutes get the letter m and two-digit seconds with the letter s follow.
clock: 8h30m09s
